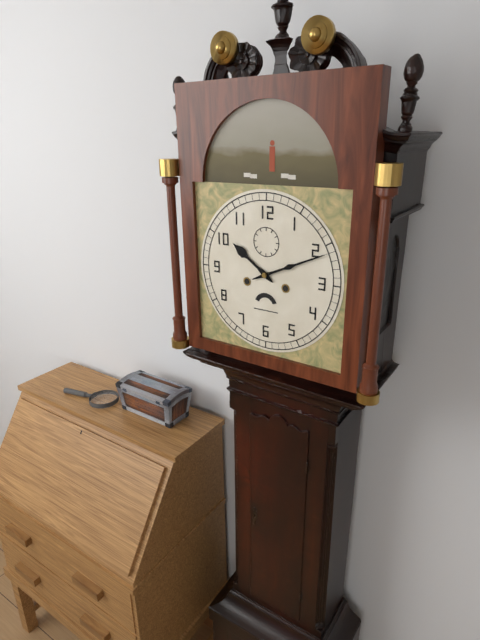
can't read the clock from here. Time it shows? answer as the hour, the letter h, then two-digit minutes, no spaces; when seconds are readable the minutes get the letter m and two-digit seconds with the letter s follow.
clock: 10h11
